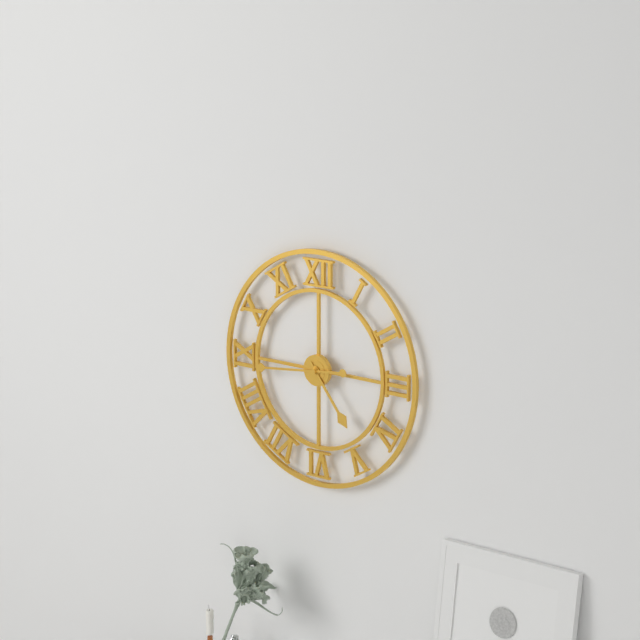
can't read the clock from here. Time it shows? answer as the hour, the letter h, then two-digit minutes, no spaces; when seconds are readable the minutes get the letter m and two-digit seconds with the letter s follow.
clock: 4h44
